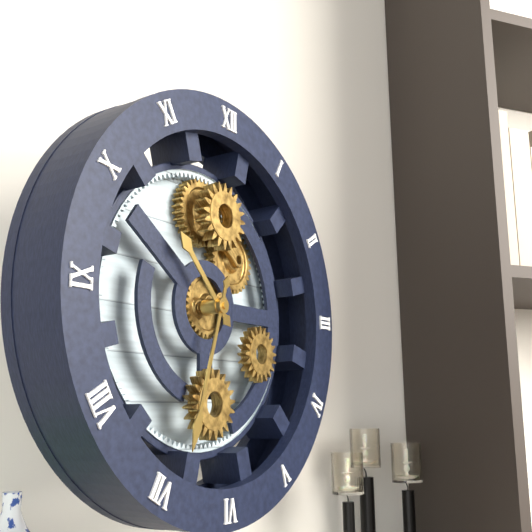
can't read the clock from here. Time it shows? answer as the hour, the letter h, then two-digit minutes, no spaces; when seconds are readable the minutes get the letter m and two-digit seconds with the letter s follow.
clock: 10h33
